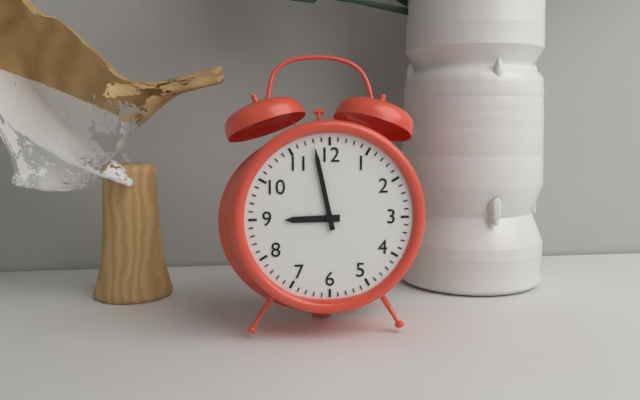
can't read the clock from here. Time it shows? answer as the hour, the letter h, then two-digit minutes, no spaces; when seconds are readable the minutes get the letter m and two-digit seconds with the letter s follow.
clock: 8h58
